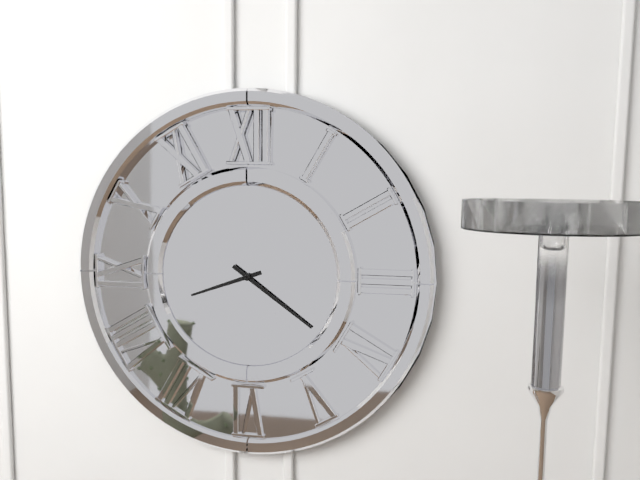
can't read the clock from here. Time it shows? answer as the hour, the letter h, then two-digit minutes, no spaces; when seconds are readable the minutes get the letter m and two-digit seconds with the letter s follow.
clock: 8h21
